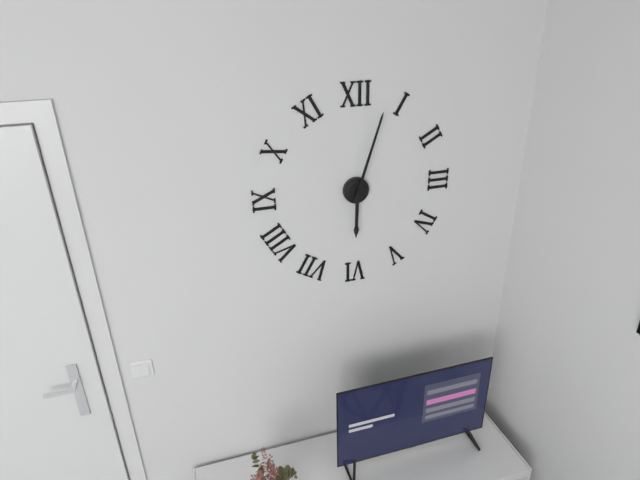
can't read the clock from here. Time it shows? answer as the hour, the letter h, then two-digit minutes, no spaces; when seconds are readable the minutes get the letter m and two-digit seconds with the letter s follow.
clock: 6h03
